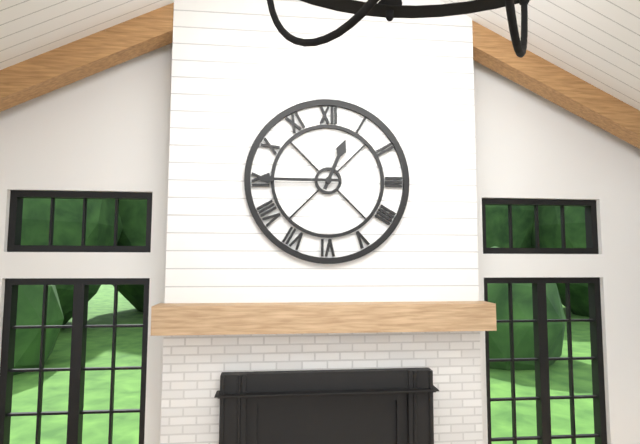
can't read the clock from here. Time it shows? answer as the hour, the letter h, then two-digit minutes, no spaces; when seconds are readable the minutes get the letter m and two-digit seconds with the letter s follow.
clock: 12h45
